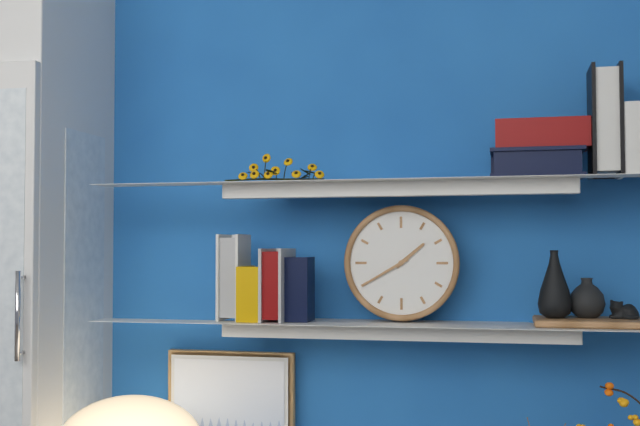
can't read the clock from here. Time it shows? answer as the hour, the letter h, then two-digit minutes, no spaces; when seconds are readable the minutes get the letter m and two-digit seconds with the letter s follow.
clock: 1h40
